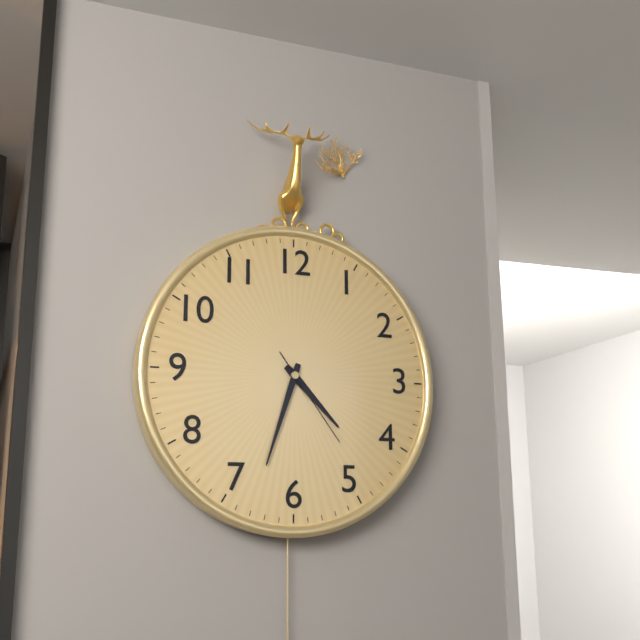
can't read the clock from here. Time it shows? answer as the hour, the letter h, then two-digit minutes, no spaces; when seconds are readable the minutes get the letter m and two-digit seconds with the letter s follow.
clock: 4h33m24s
